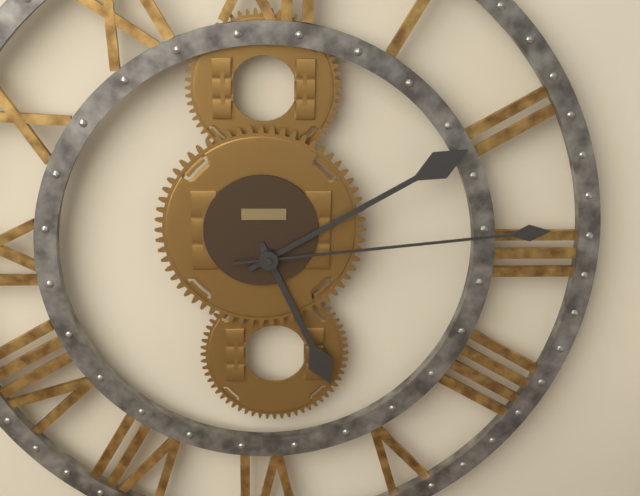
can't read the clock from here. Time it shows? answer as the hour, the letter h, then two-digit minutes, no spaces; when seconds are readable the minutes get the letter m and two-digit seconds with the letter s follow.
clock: 5h10m14s
